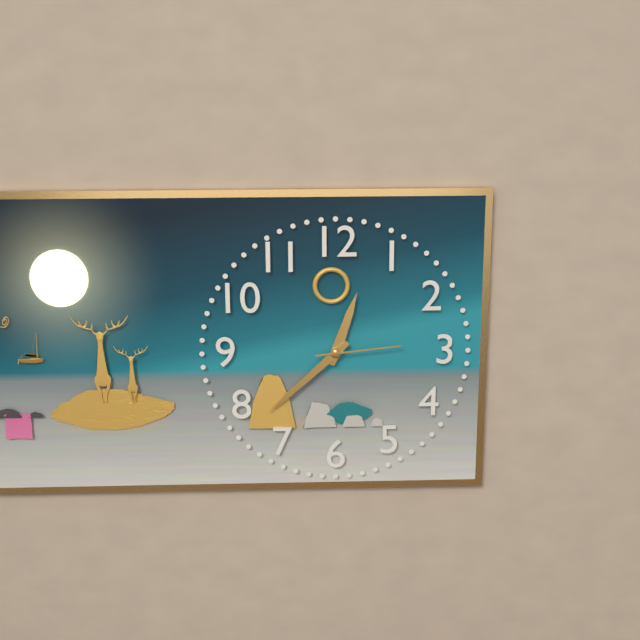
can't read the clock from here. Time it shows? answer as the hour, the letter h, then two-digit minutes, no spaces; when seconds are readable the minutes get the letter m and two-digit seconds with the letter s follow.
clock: 12h38m14s
